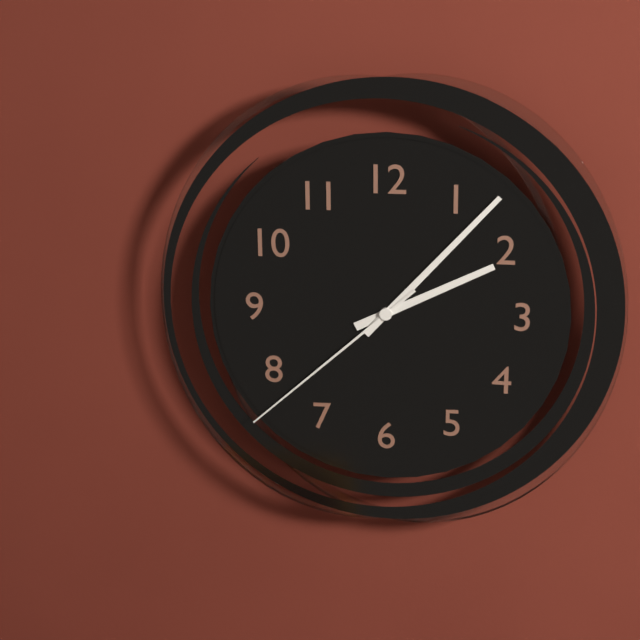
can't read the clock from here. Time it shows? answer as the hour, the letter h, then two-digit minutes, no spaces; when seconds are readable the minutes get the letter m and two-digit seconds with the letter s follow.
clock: 2h07m38s
